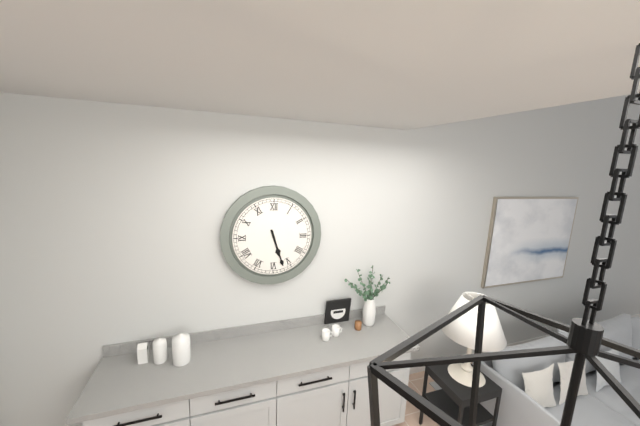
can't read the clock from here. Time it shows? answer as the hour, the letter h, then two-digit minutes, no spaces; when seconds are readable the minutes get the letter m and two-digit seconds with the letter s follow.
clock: 5h27
